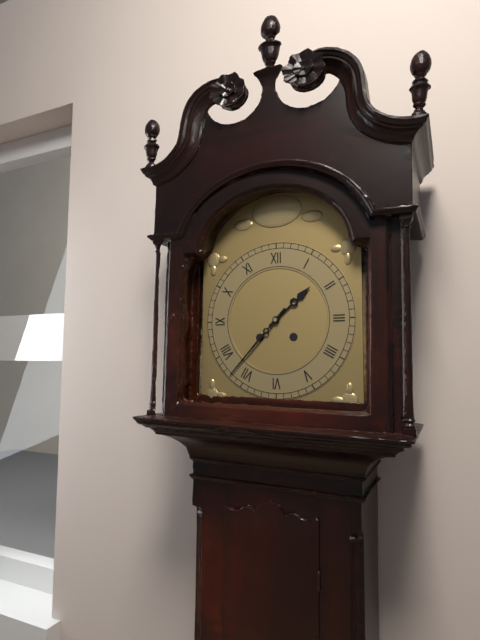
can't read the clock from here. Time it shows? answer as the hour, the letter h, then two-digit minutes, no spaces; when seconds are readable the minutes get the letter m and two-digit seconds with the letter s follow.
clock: 1h37
